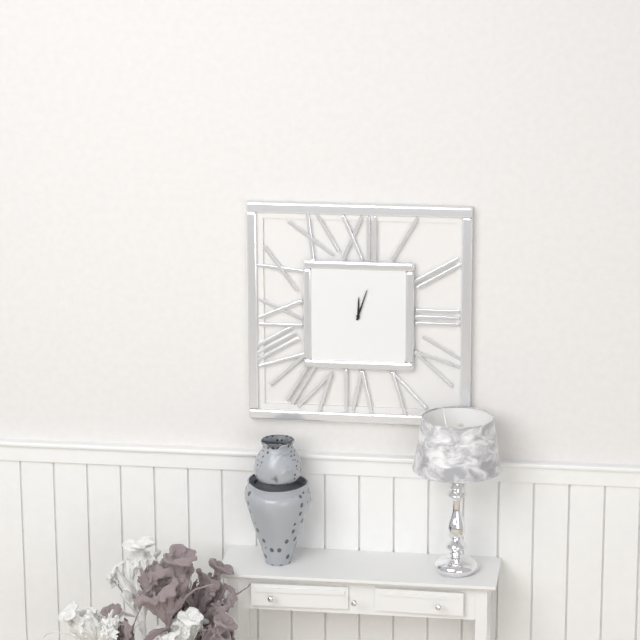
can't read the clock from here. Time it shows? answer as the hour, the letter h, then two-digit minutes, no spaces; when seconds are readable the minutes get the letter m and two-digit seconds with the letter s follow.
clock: 12h03
